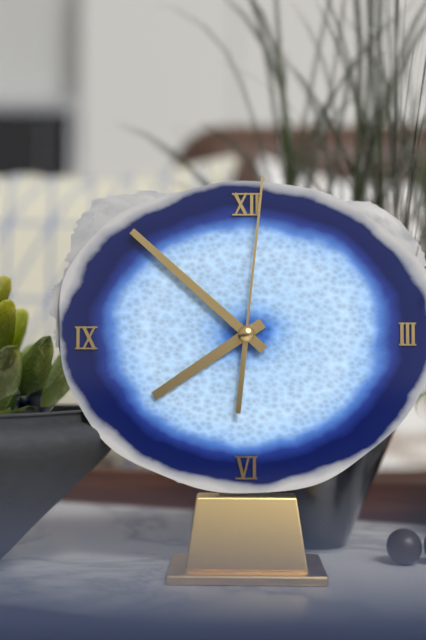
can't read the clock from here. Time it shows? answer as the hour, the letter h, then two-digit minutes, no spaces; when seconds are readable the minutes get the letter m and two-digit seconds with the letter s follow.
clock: 7h52m01s
